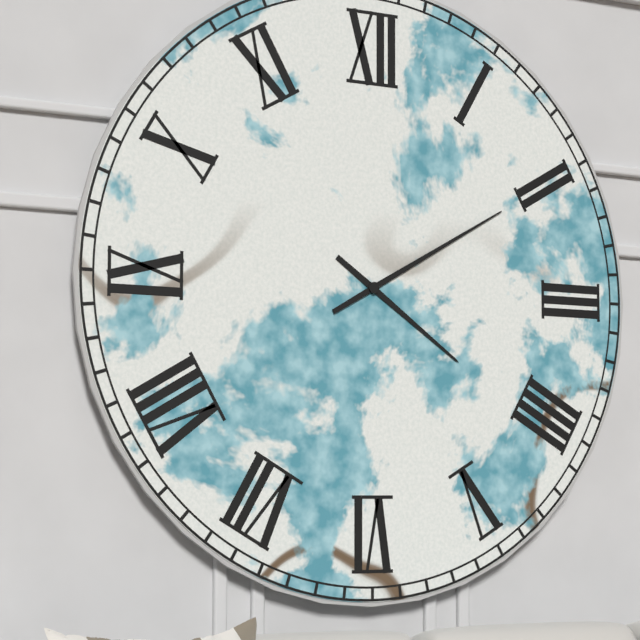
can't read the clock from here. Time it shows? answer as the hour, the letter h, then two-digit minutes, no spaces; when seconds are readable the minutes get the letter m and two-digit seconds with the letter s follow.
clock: 4h10
